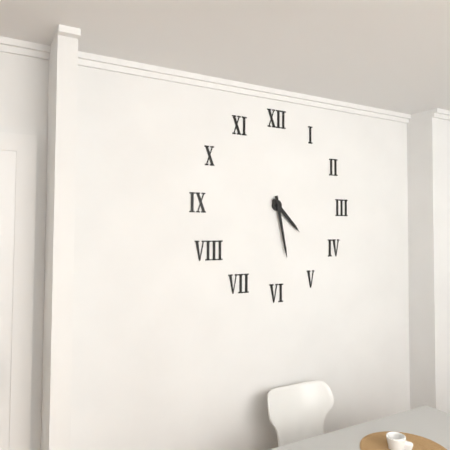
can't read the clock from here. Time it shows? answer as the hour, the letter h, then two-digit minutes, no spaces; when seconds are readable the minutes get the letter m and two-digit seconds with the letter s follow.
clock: 4h28
